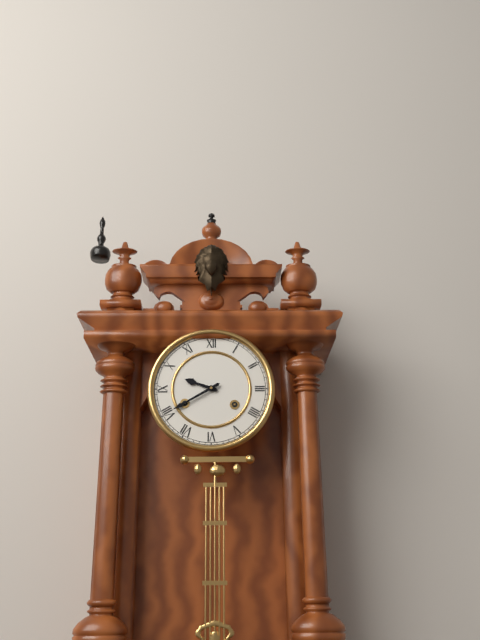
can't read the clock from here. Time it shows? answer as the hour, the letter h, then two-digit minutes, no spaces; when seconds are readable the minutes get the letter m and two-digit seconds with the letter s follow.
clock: 9h40
